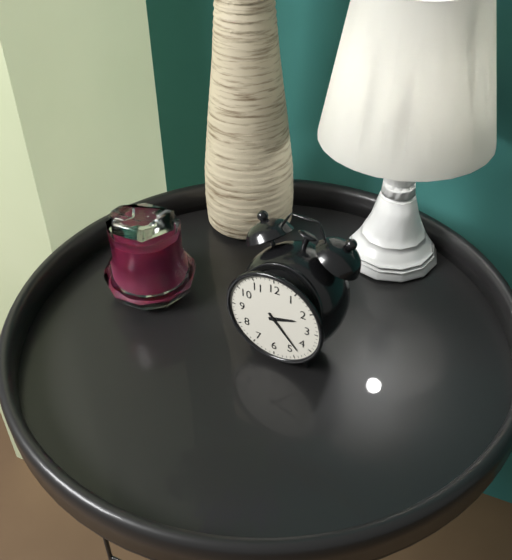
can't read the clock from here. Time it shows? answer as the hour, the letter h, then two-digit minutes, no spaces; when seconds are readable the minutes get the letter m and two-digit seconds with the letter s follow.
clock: 2h23
